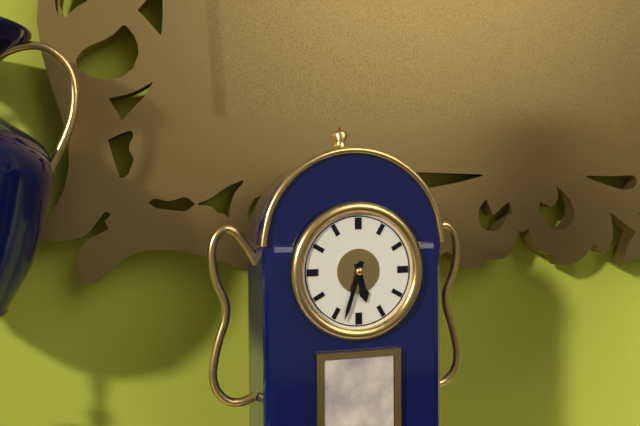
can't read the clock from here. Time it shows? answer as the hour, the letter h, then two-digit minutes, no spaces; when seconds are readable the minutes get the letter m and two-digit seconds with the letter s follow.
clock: 5h33
